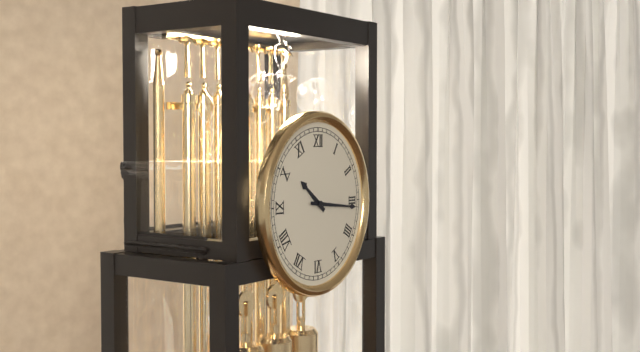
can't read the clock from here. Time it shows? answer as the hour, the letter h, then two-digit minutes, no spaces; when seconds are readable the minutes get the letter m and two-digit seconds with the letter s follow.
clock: 10h16
